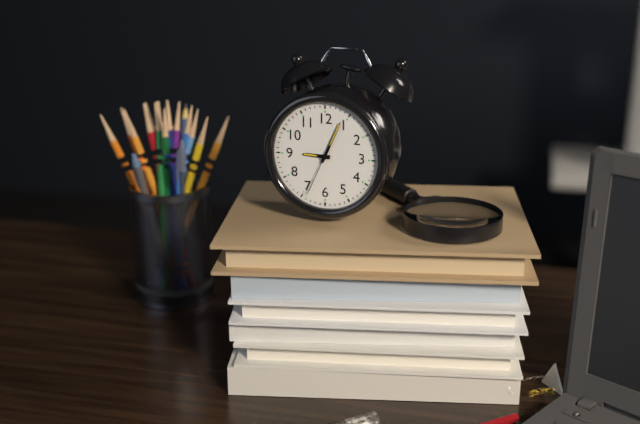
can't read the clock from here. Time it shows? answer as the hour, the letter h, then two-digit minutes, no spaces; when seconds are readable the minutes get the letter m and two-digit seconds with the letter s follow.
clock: 9h04m34s
